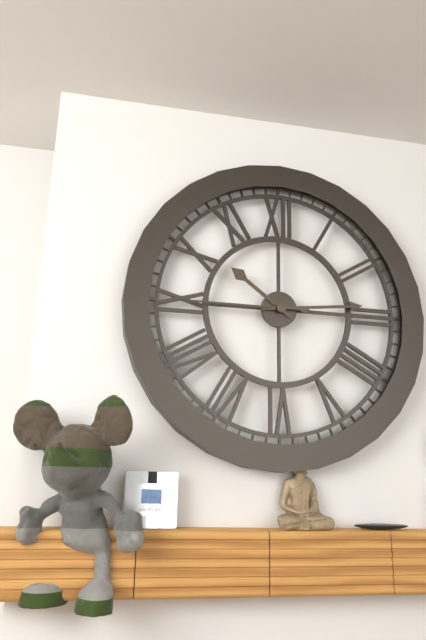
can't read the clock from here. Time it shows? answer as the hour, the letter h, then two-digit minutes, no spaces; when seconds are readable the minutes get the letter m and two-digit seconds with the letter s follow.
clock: 10h14m45s
